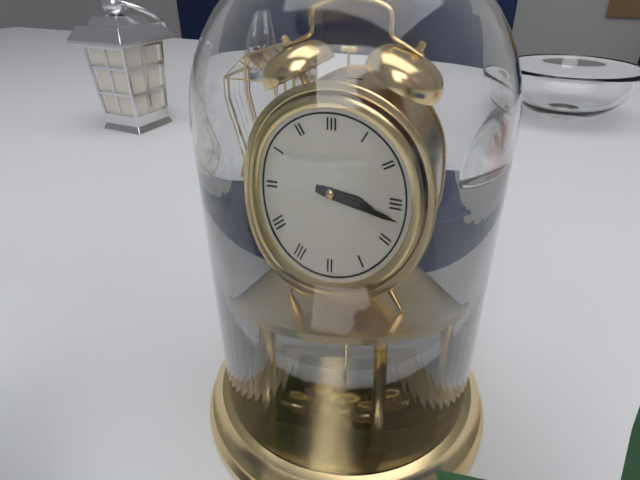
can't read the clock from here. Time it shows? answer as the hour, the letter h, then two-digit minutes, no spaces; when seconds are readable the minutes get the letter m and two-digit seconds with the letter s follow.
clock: 3h17
